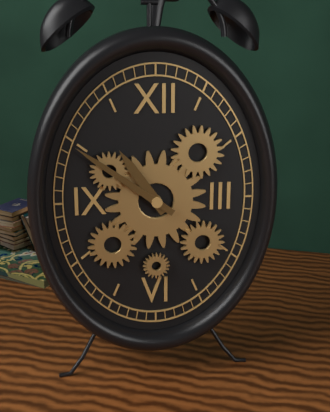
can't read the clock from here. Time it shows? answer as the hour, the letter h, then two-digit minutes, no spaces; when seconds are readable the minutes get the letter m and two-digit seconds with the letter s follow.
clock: 10h51
